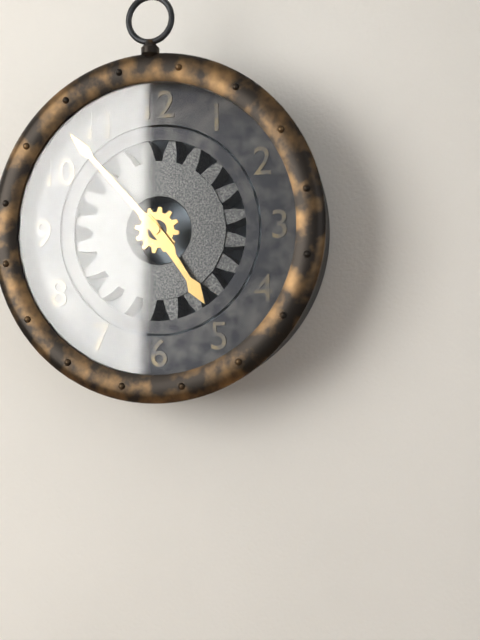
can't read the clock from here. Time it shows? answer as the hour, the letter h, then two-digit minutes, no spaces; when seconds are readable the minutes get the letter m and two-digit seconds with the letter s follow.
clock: 4h53
